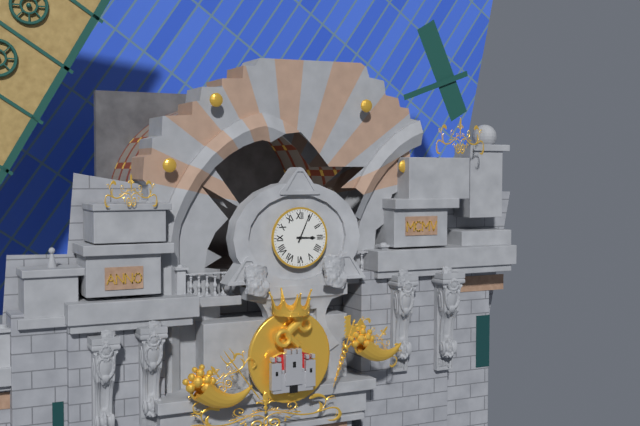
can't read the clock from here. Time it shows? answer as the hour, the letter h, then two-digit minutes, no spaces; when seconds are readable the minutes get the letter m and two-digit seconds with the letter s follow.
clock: 3h04
